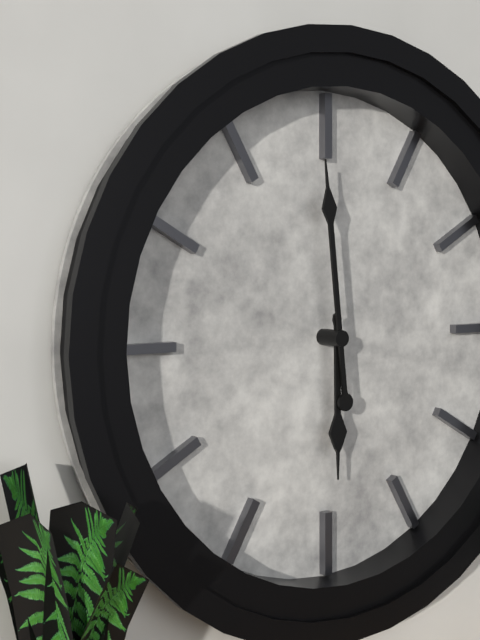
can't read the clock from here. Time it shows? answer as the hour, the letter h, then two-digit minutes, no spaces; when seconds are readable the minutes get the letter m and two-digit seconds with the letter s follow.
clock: 5h59
